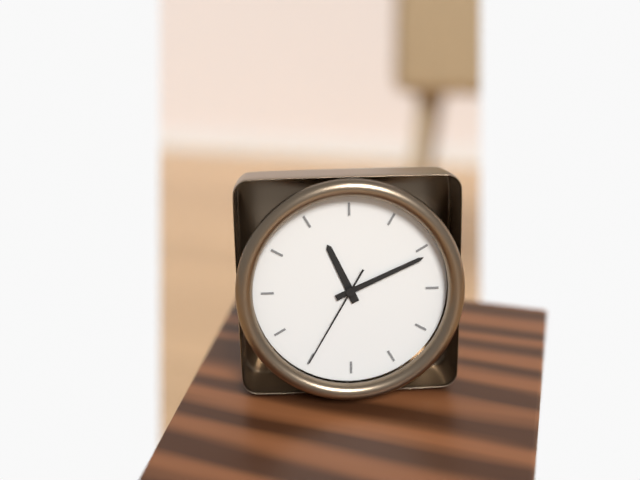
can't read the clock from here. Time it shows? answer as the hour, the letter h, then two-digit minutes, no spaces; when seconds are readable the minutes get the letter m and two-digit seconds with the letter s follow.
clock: 11h11m35s
